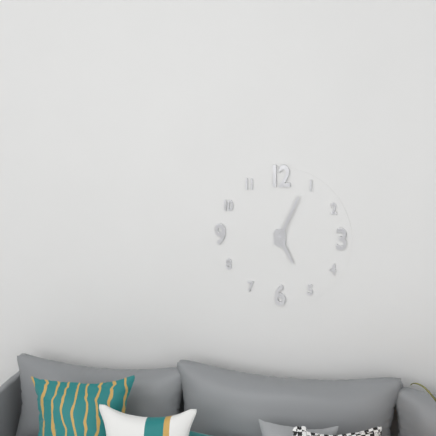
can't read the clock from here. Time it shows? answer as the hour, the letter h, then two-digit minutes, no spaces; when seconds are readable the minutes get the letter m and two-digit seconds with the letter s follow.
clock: 5h04
